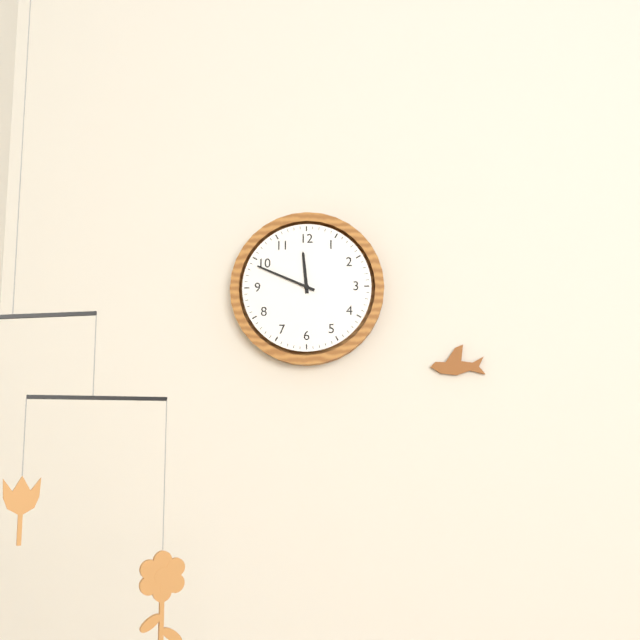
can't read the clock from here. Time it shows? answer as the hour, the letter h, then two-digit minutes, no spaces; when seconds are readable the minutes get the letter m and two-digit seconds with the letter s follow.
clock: 11h49
